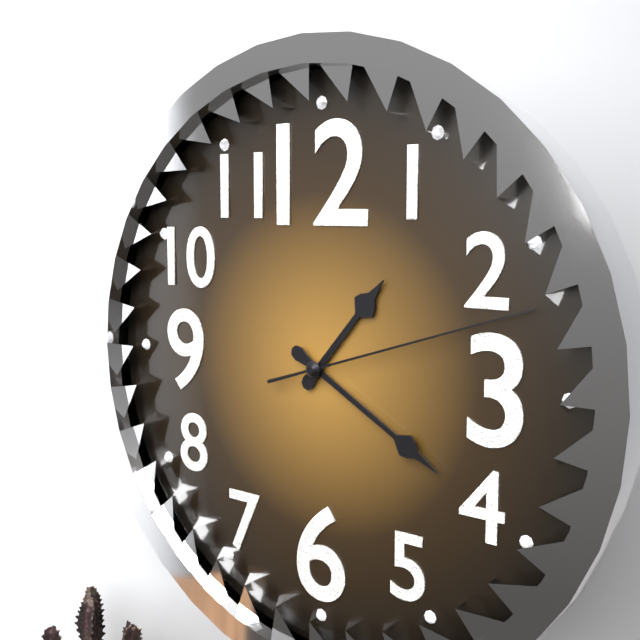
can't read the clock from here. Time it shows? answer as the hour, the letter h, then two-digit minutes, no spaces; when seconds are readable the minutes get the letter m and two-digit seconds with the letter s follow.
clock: 1h20m12s
